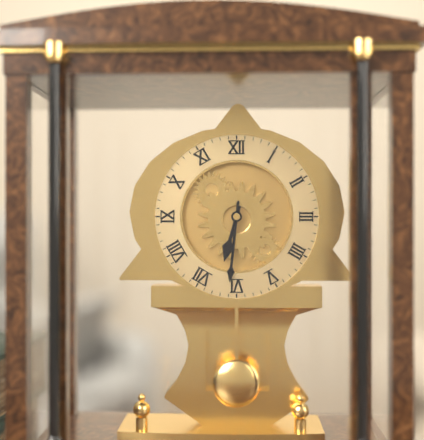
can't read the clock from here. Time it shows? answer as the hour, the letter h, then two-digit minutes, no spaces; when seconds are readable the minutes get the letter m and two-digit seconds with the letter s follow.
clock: 6h31
